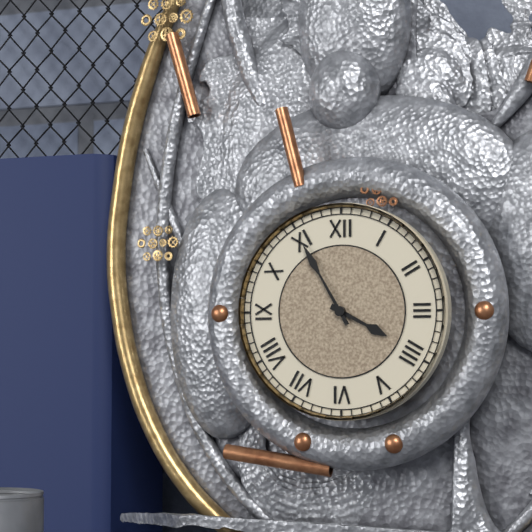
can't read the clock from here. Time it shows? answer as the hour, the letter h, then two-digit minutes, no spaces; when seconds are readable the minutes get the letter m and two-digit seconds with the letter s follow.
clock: 3h55
